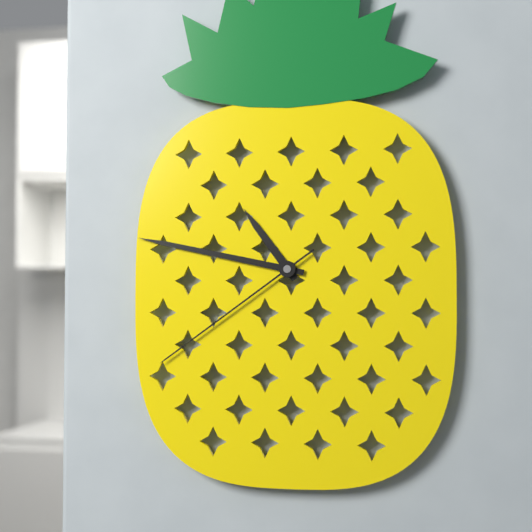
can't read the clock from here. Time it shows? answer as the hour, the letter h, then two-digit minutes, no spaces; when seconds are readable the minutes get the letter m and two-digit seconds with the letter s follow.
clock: 10h47m39s
